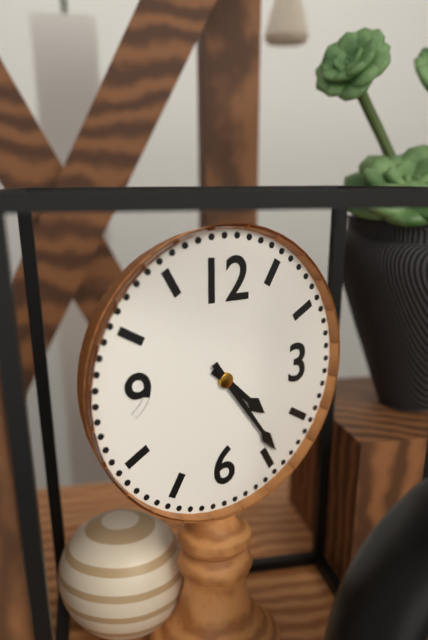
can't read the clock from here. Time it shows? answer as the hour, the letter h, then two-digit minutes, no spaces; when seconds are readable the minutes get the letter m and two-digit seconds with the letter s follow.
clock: 4h24
